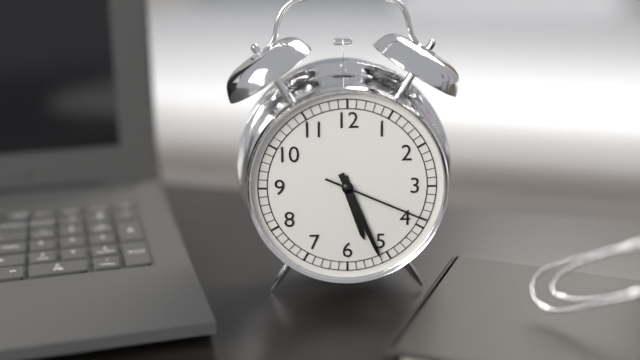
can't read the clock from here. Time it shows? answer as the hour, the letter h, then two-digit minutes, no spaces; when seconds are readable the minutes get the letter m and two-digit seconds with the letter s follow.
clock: 5h26m19s
